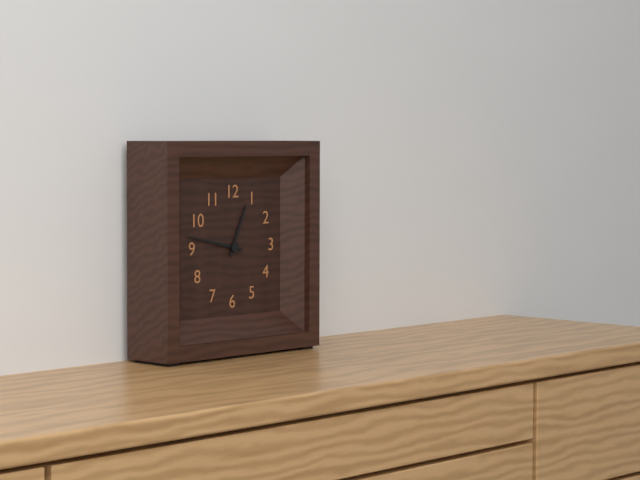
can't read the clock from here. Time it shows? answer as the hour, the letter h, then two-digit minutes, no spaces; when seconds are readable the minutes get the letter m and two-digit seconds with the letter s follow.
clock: 12h47
